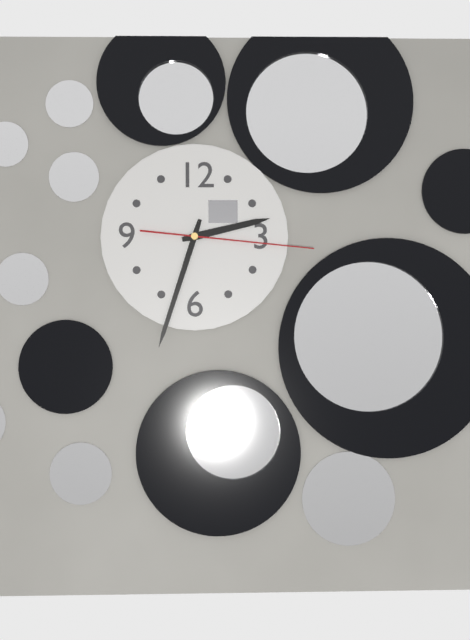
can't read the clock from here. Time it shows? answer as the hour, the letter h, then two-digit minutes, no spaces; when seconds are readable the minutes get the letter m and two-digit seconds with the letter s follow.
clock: 2h33m16s
